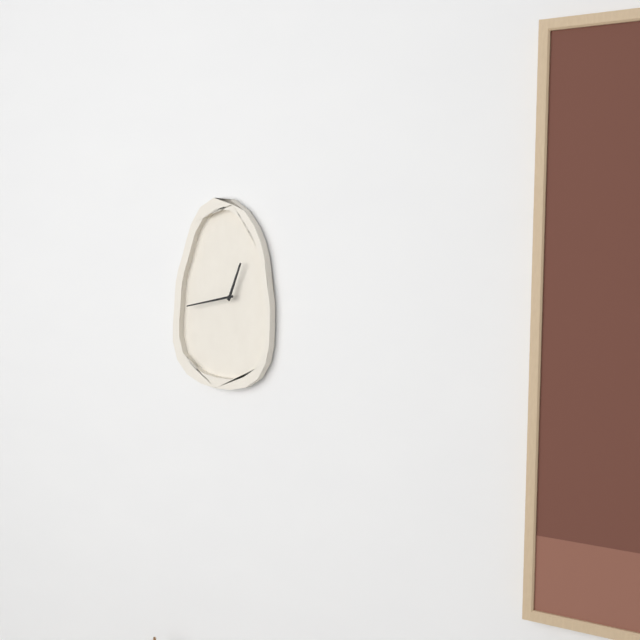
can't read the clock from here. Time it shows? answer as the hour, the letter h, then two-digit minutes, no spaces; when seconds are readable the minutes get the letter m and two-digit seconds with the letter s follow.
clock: 12h43
